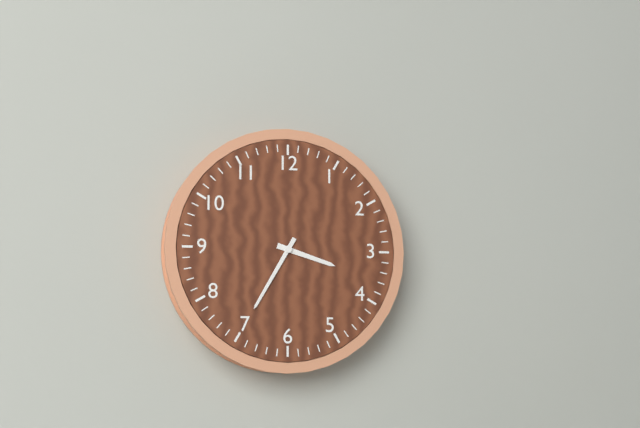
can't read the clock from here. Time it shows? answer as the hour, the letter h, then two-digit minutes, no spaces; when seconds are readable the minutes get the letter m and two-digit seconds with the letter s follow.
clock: 3h35
